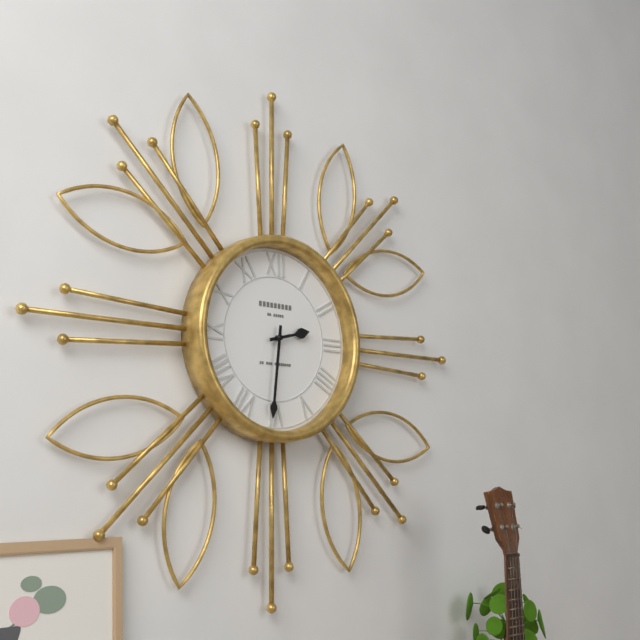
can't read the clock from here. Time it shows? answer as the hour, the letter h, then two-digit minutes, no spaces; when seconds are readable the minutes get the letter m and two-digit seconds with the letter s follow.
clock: 2h31
